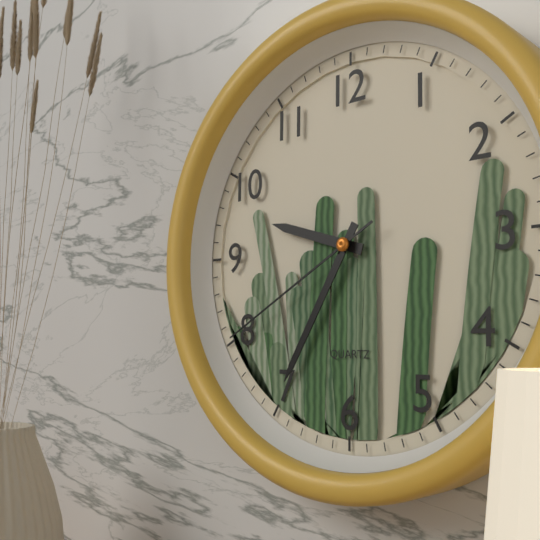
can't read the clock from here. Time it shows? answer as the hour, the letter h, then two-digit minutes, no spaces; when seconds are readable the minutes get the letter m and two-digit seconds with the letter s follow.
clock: 9h35m40s
